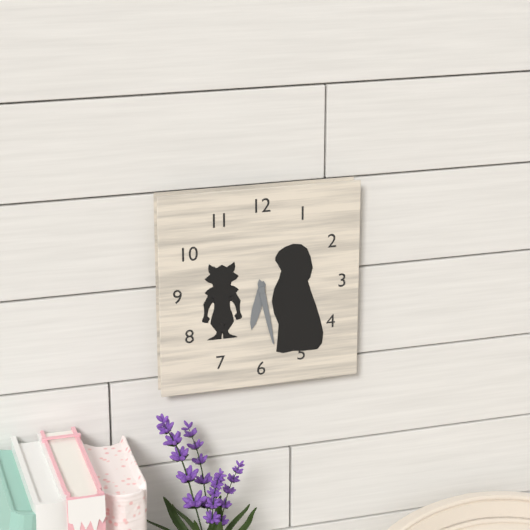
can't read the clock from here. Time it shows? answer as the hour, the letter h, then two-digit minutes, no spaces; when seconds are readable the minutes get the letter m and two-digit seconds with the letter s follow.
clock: 6h28
